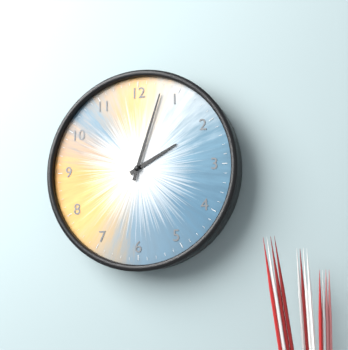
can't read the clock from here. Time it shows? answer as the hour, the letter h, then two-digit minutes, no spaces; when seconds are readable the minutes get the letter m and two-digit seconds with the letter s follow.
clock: 2h03
